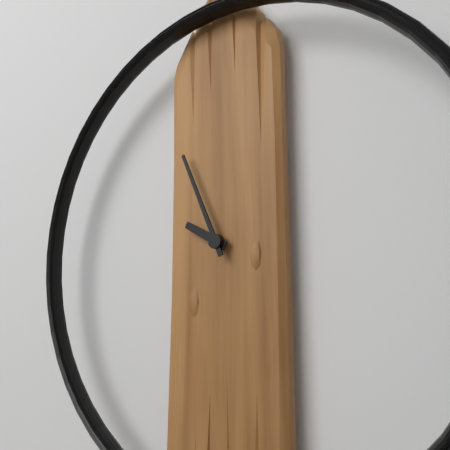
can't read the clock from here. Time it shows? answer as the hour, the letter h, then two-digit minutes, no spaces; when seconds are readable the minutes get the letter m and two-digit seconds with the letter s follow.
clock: 9h56
